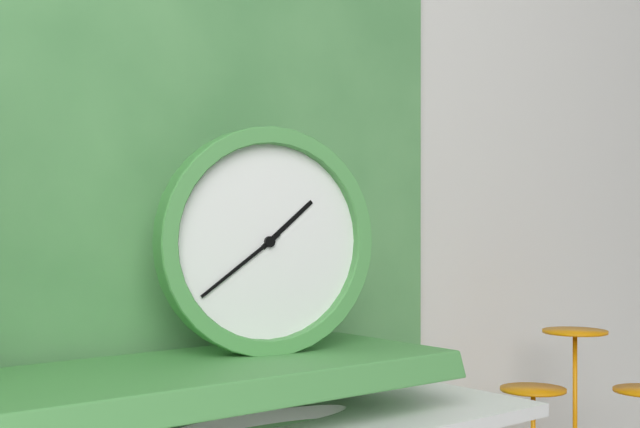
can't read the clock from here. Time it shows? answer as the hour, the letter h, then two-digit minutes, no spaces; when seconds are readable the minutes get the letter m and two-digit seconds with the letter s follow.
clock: 1h39
